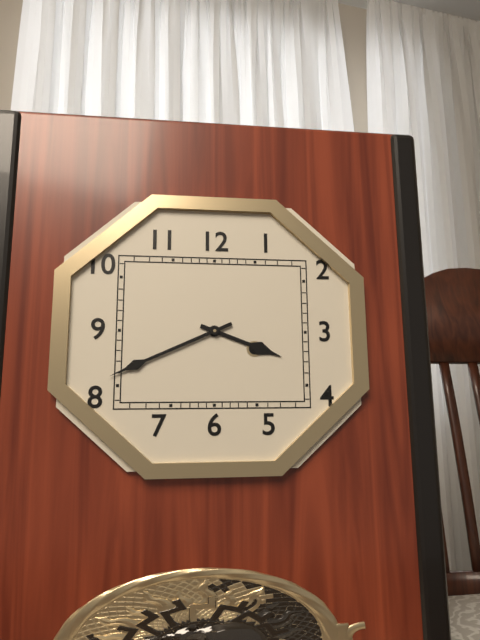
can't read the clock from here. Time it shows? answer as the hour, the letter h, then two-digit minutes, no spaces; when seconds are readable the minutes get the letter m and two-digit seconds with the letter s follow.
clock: 3h41
